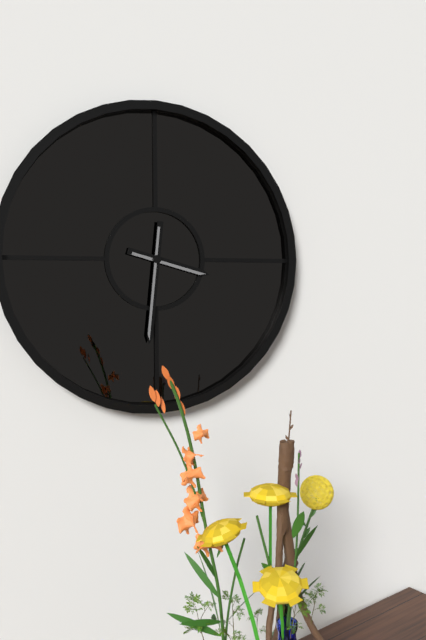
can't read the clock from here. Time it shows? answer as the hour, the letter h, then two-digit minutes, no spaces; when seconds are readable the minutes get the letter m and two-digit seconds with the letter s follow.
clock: 3h31
